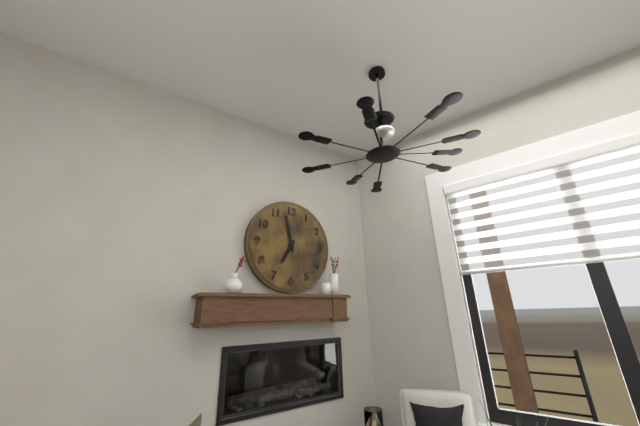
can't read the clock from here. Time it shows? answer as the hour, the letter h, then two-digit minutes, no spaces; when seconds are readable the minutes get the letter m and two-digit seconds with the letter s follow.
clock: 6h58
